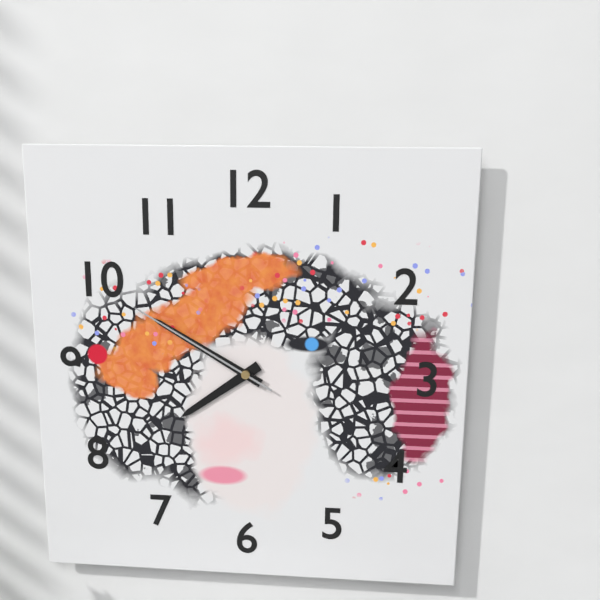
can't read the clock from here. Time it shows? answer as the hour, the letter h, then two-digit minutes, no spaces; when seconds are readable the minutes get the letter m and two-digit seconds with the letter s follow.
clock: 7h50m50s
